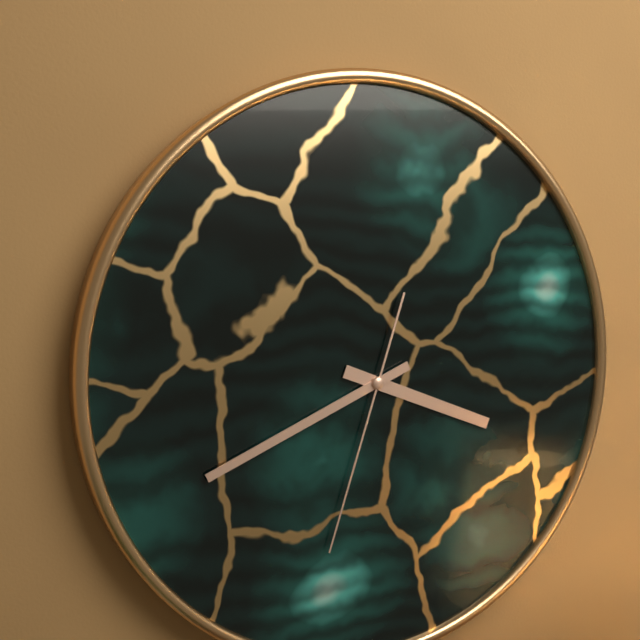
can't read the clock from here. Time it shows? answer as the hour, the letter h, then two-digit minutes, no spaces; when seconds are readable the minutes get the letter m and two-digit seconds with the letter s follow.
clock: 3h41m33s
